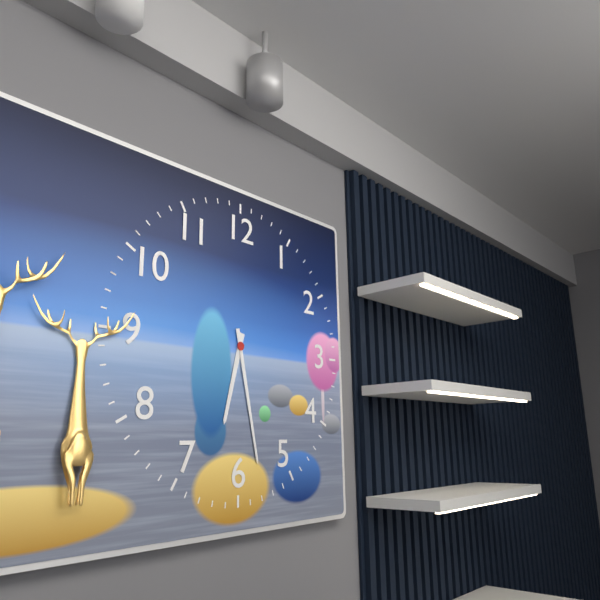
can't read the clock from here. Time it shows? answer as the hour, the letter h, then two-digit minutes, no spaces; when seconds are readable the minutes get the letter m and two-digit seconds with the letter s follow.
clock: 6h28
